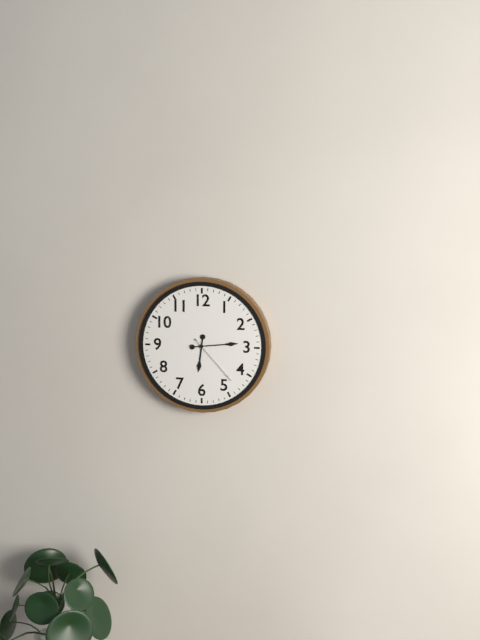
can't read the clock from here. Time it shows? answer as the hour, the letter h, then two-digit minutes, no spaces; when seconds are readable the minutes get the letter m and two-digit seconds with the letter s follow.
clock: 6h14m23s
